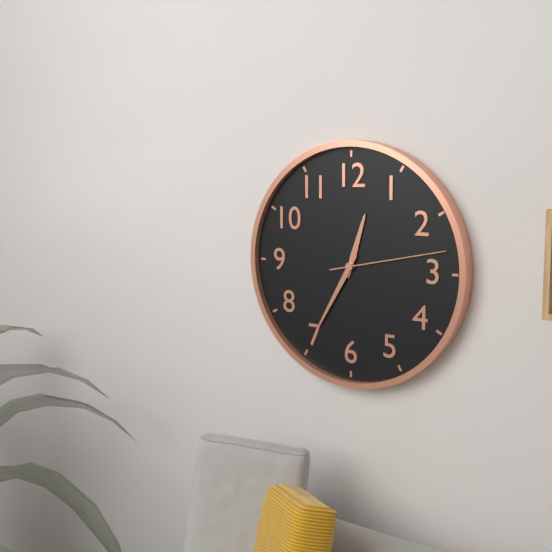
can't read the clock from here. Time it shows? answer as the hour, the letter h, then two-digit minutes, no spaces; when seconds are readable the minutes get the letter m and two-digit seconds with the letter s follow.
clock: 12h35m13s
